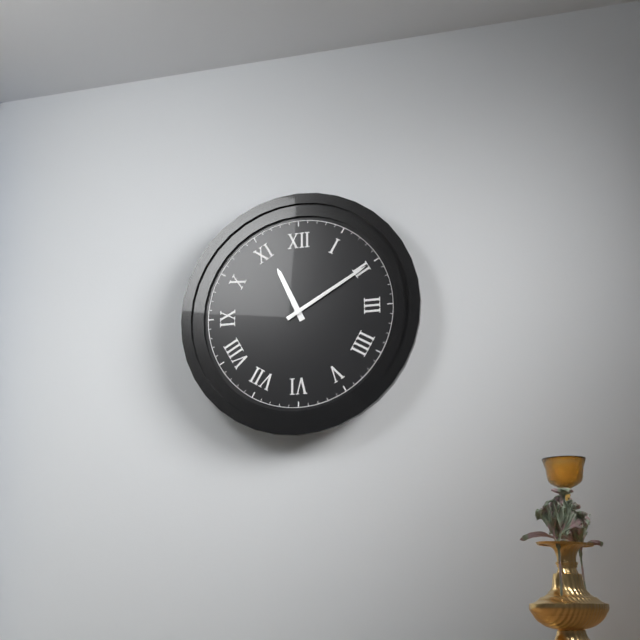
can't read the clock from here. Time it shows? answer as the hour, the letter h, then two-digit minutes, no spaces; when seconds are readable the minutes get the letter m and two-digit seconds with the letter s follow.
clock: 11h10
